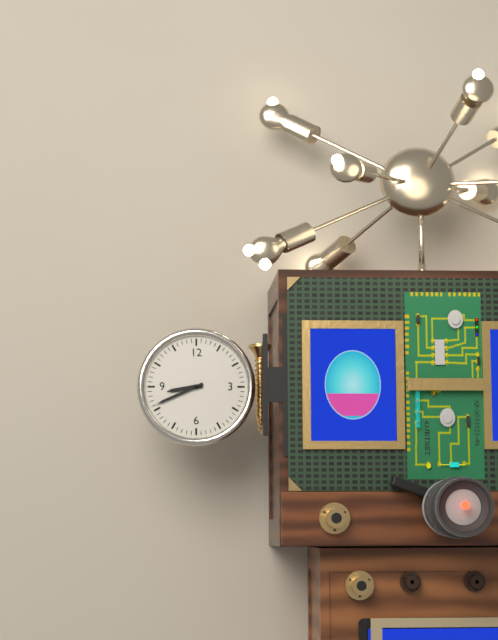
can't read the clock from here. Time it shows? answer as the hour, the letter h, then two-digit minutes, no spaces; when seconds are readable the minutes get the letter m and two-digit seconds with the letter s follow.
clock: 8h41
